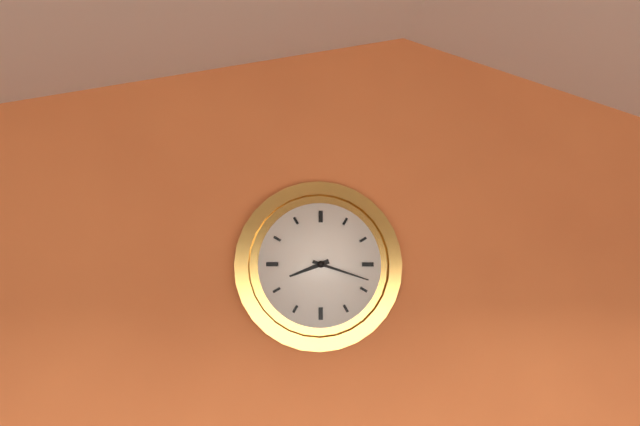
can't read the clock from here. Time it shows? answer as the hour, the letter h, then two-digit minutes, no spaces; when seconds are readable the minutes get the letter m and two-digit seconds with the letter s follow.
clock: 8h18
